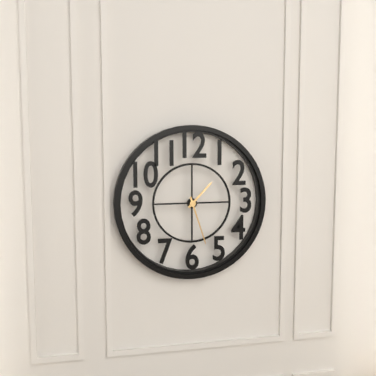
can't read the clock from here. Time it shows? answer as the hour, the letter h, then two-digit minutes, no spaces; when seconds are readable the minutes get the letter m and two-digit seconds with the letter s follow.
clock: 1h27
